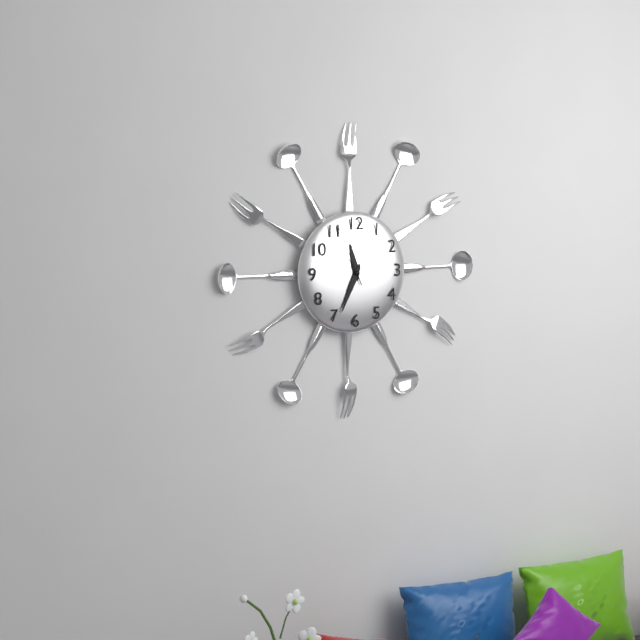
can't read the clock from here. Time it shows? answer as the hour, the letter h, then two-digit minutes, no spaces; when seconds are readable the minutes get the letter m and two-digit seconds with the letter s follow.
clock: 11h34m56s
